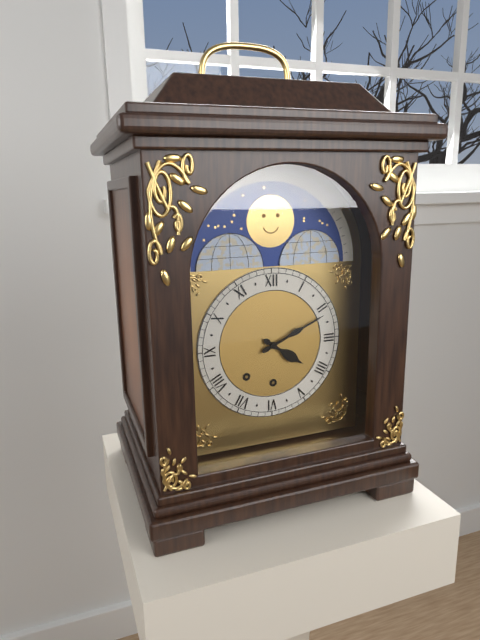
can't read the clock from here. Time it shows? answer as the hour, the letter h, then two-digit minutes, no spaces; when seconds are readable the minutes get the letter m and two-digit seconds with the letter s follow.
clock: 4h11
